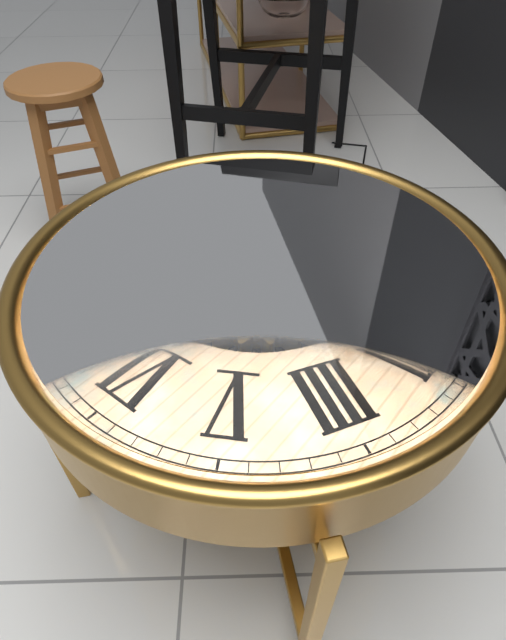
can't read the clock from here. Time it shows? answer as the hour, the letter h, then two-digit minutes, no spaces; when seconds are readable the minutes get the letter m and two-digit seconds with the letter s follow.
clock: 4h08
